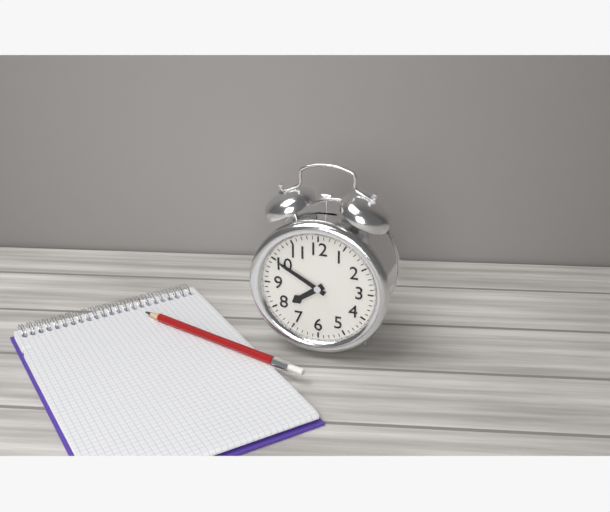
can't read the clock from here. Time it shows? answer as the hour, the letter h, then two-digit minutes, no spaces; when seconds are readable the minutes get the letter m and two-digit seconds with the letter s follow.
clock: 7h50
